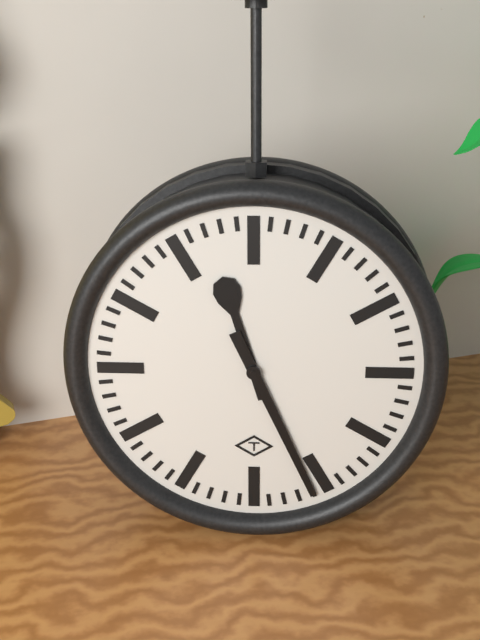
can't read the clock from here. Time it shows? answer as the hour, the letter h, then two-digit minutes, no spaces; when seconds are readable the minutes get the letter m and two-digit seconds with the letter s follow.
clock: 11h26
